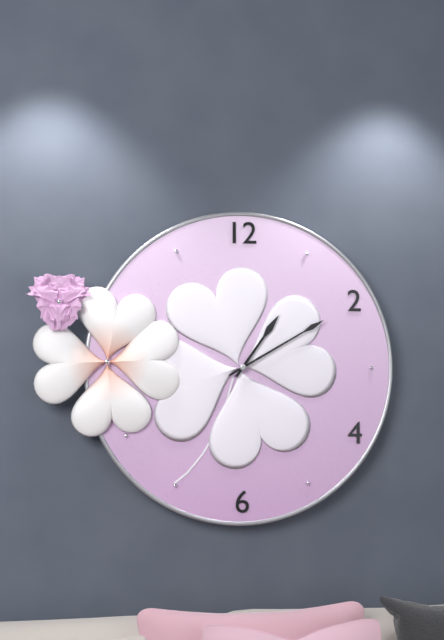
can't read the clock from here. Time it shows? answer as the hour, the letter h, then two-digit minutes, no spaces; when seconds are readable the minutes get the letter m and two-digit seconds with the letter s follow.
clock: 1h10
